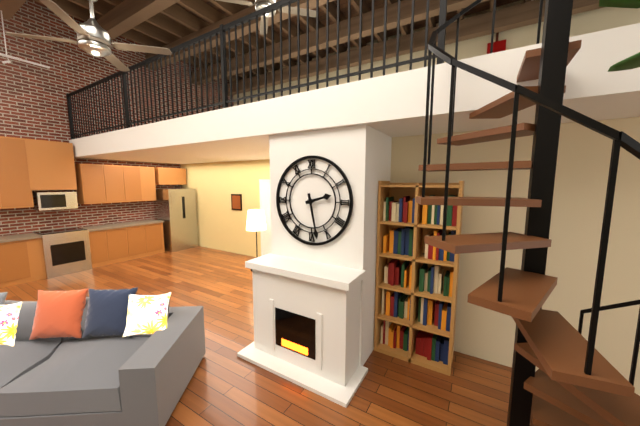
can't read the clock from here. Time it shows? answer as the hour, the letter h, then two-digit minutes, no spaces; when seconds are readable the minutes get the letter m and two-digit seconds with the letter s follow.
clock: 2h28
